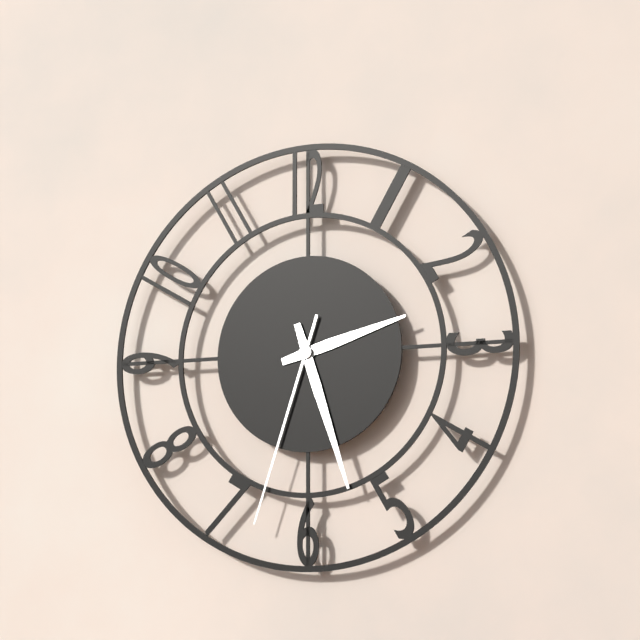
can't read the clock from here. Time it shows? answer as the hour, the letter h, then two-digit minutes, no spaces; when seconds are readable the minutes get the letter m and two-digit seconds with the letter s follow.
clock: 2h27m33s
